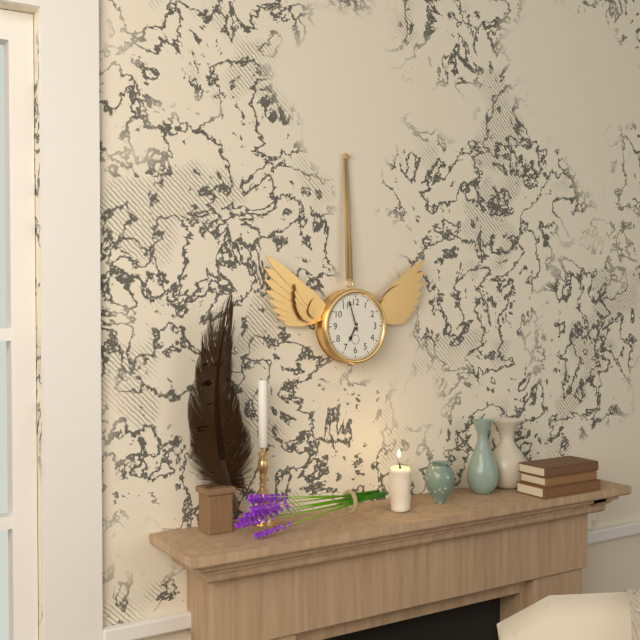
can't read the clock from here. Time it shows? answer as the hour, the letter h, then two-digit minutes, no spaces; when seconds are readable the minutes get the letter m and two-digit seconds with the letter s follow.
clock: 6h57
